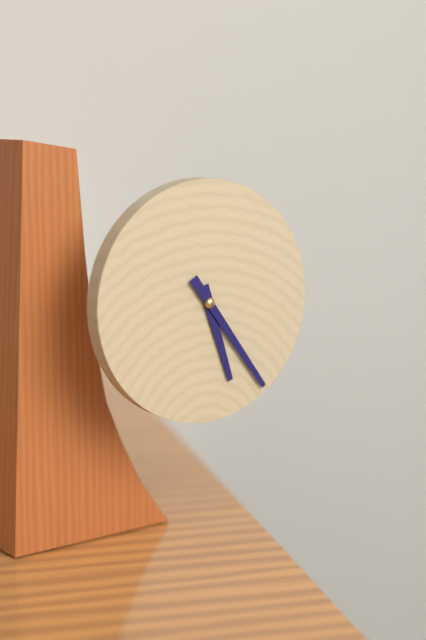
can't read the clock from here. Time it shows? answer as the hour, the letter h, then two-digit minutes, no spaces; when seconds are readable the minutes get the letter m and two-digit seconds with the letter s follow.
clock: 5h24
